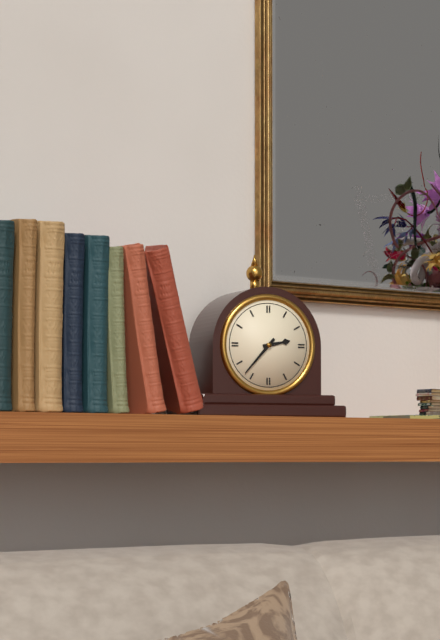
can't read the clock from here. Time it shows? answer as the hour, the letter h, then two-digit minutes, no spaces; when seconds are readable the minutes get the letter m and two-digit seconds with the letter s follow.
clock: 2h37
